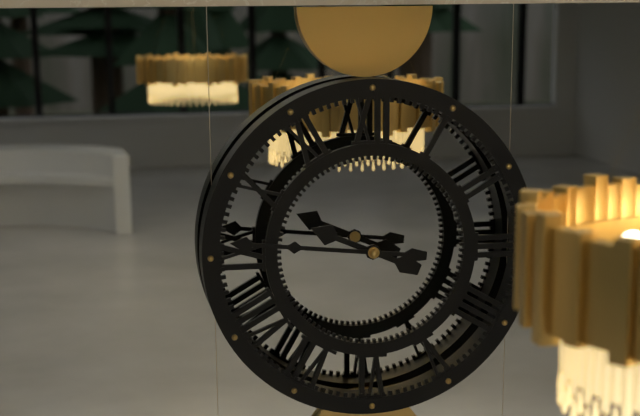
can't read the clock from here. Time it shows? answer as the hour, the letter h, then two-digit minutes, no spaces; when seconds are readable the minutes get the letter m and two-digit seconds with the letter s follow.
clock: 9h46
